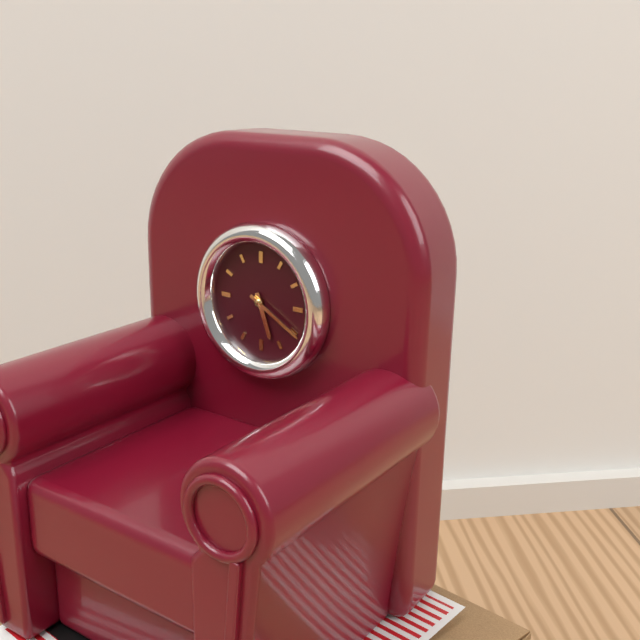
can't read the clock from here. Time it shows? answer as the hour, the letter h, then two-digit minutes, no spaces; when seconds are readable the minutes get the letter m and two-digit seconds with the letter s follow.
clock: 5h20
